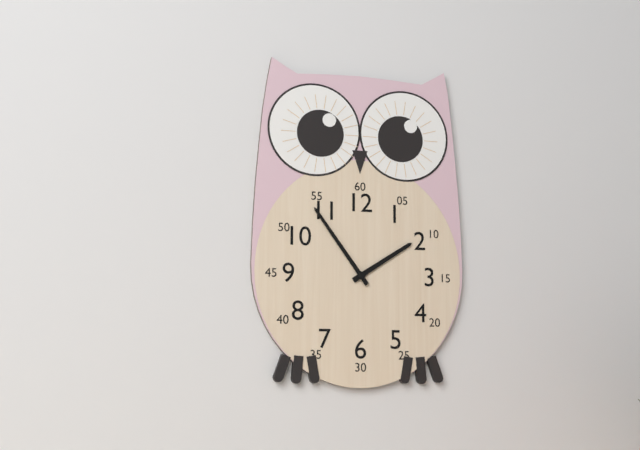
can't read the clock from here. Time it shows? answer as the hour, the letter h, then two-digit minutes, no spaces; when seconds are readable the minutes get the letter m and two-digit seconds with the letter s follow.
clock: 1h54
